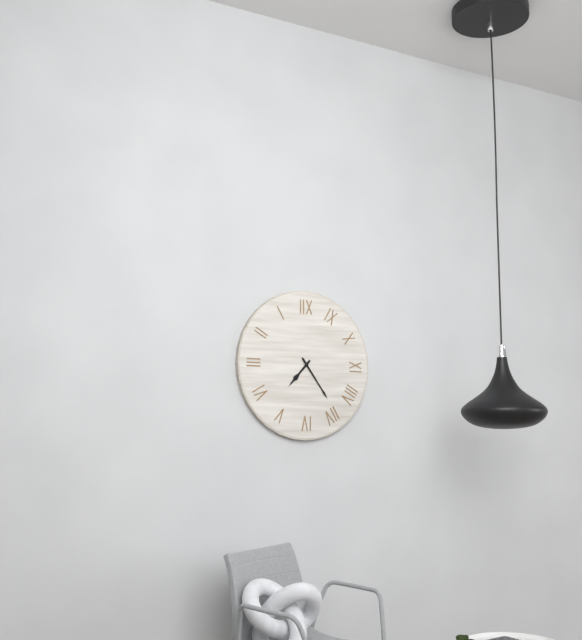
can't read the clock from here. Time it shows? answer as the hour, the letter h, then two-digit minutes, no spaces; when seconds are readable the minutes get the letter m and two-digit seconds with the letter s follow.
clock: 7h24
